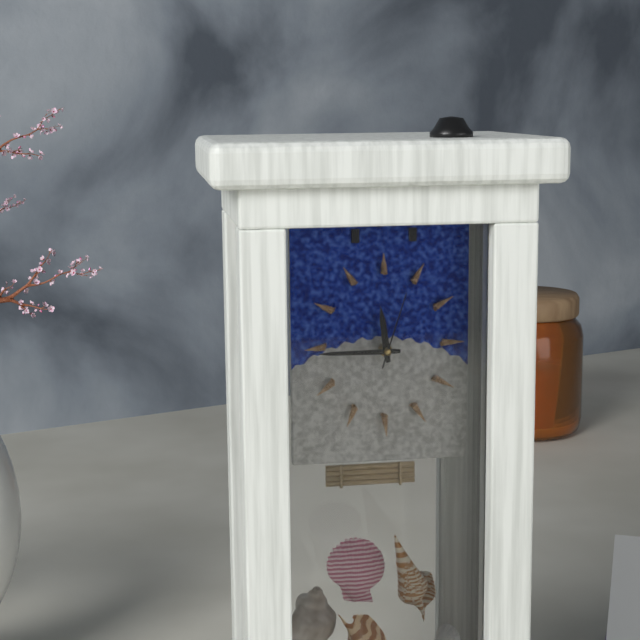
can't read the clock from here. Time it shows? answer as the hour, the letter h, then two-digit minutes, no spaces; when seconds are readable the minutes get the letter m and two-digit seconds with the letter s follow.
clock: 11h45m03s
